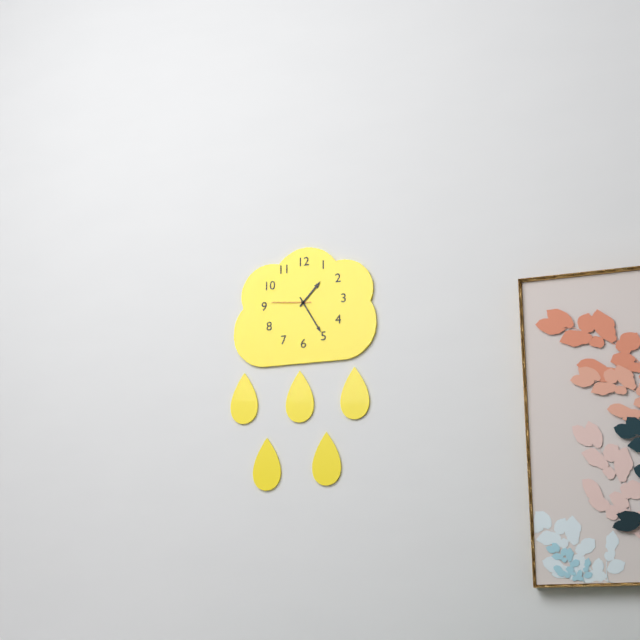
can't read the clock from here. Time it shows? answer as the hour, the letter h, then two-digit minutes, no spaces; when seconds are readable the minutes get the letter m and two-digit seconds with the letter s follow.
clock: 1h25
